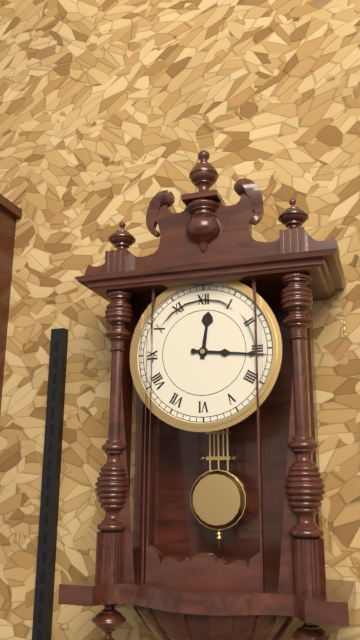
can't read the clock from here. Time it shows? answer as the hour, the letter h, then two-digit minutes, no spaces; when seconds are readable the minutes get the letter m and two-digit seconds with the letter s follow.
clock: 12h16
